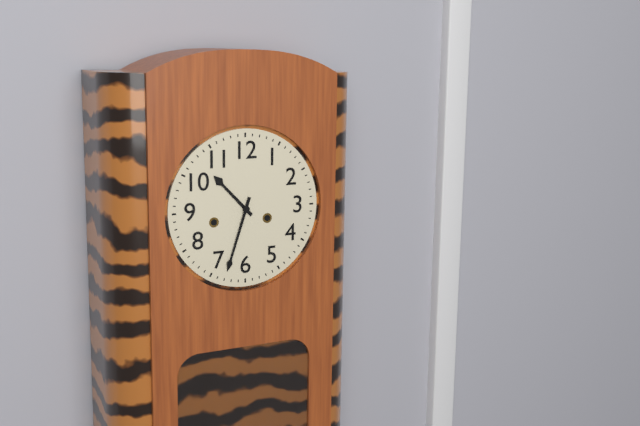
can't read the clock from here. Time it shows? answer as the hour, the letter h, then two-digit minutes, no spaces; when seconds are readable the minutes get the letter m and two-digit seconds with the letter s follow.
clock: 10h33
